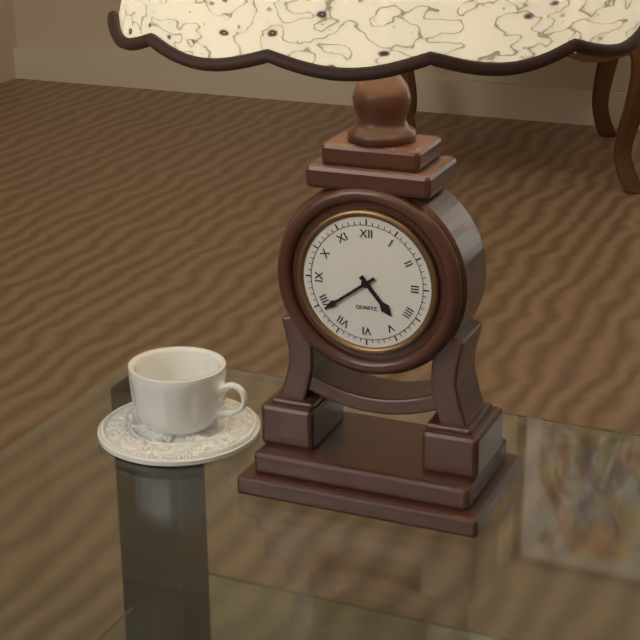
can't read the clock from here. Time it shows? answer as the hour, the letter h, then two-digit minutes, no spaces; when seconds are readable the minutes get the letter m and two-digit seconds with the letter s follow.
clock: 4h39
